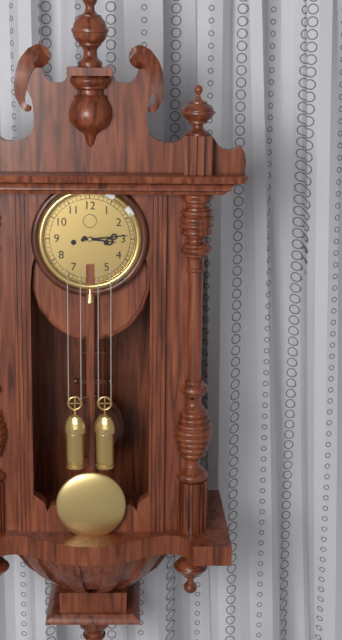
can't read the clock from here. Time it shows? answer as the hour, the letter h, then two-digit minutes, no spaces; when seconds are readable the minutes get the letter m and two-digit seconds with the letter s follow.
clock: 3h14
